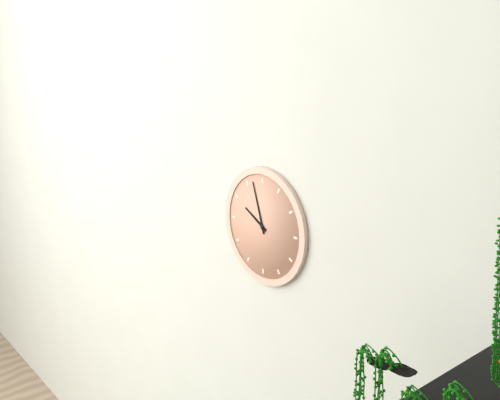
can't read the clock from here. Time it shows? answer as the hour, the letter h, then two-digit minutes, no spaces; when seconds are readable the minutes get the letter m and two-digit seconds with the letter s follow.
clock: 9h57
